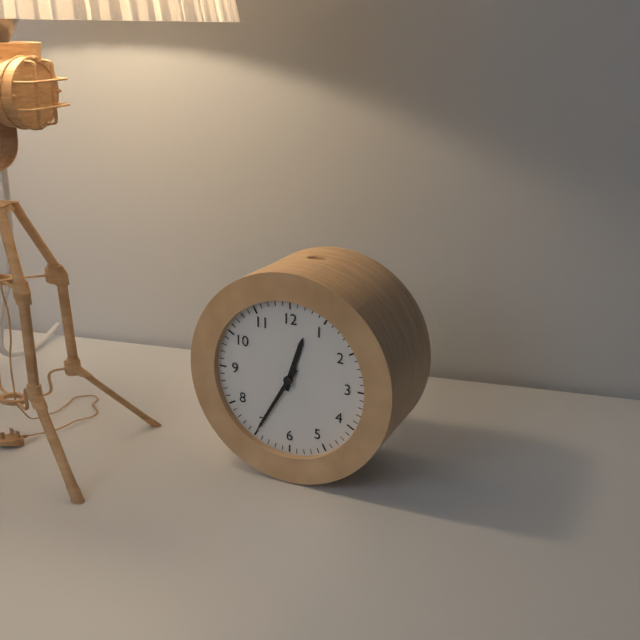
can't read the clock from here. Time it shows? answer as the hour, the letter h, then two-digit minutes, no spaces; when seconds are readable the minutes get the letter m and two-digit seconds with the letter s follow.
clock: 12h35
